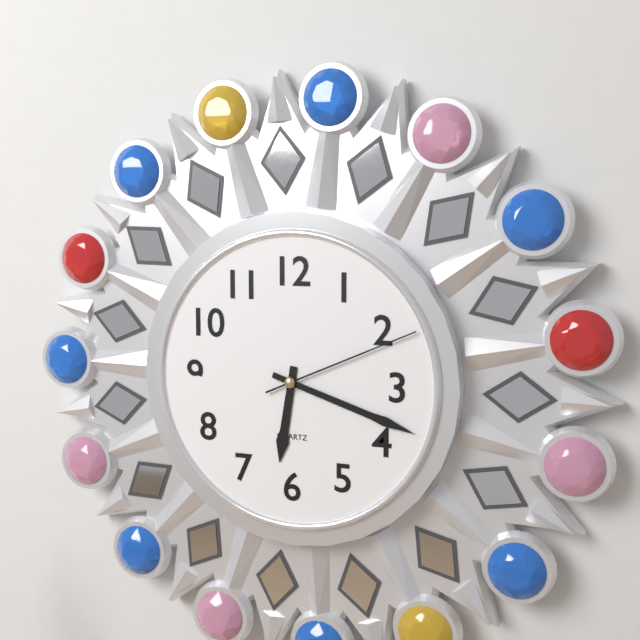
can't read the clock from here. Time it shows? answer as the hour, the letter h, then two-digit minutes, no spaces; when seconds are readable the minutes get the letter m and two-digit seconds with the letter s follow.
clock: 6h18m11s
